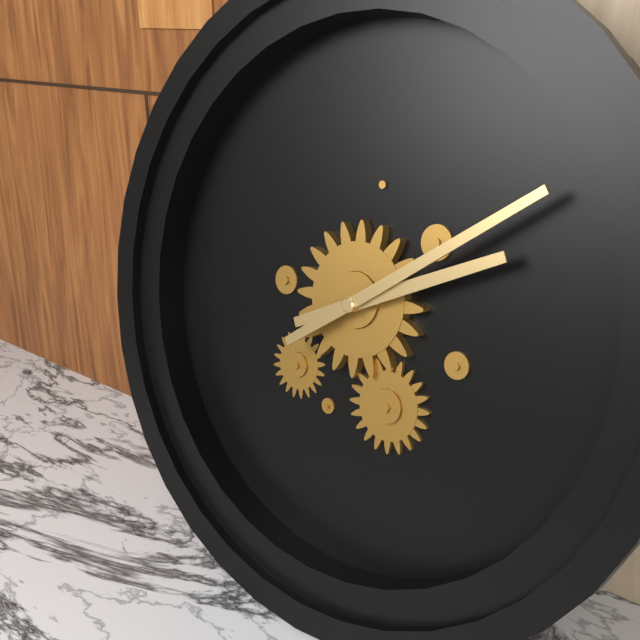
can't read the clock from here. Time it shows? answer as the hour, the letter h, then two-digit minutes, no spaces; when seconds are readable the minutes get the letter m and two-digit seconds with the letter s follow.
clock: 2h09
